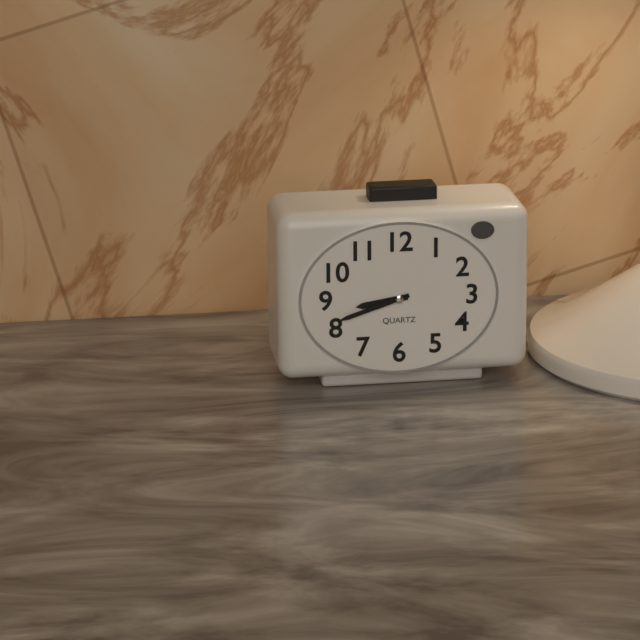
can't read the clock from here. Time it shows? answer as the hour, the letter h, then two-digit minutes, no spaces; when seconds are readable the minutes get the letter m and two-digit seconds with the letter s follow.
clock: 8h42
